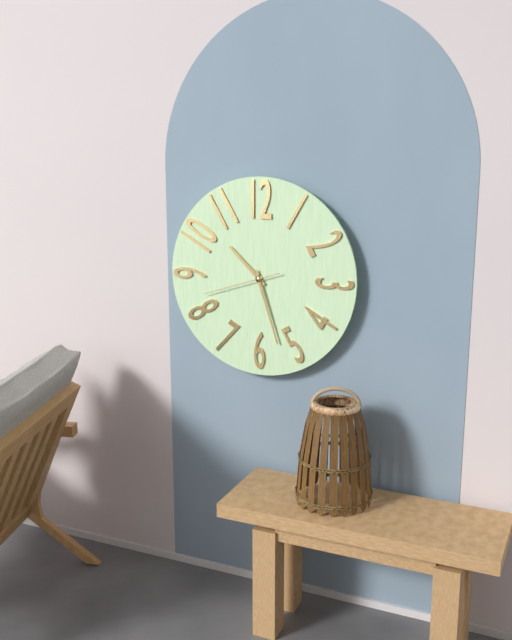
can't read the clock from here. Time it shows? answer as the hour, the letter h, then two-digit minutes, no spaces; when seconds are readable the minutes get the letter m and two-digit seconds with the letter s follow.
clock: 10h27m42s
